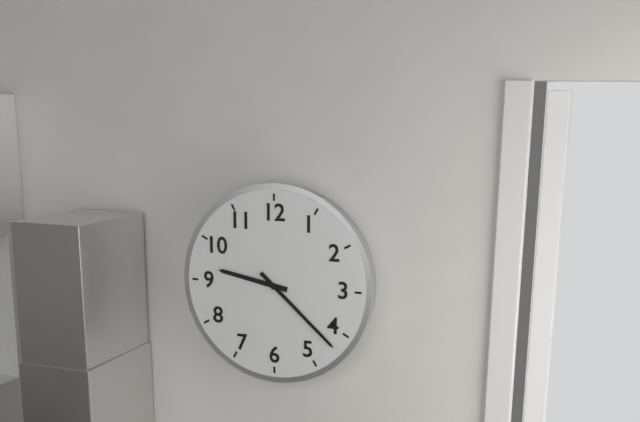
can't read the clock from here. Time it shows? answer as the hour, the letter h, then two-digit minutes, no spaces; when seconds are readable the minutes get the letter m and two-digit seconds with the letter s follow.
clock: 9h22
